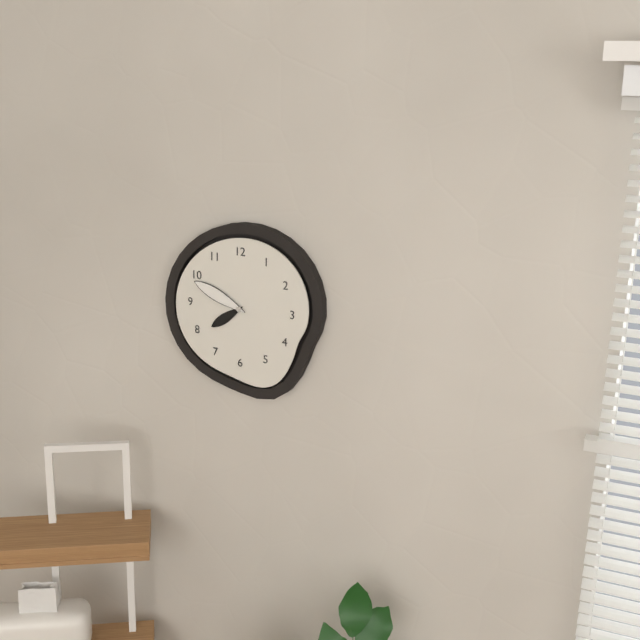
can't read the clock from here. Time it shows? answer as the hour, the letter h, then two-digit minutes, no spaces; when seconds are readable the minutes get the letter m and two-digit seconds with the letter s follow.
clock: 7h49
